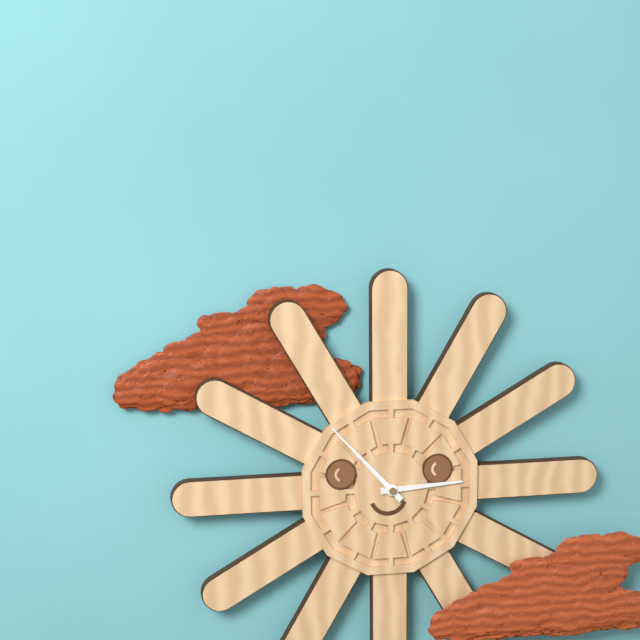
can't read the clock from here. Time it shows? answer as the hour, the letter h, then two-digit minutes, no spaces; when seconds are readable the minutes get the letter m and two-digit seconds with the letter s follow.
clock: 2h53
